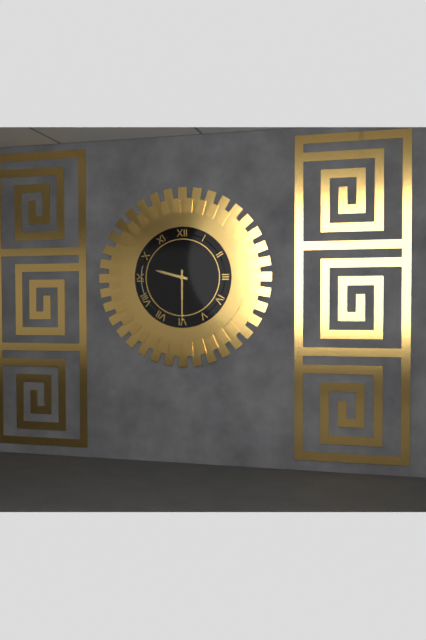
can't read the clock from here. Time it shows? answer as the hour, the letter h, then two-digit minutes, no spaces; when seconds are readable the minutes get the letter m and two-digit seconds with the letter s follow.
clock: 9h30
